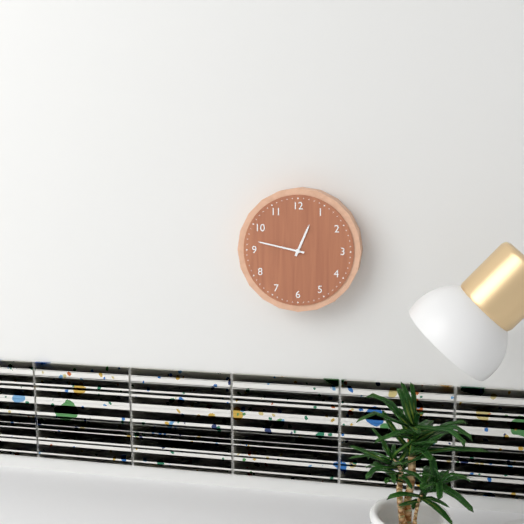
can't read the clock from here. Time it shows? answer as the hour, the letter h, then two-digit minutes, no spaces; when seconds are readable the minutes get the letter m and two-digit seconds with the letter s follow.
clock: 12h47
